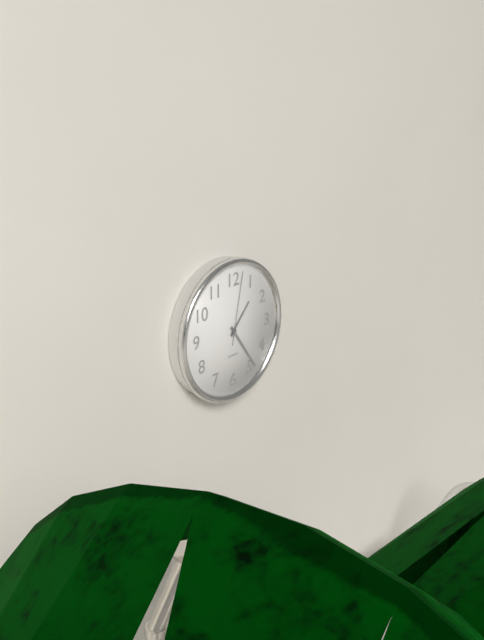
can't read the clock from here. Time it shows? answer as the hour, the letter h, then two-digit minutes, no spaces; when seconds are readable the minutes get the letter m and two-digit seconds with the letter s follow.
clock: 1h24m02s
